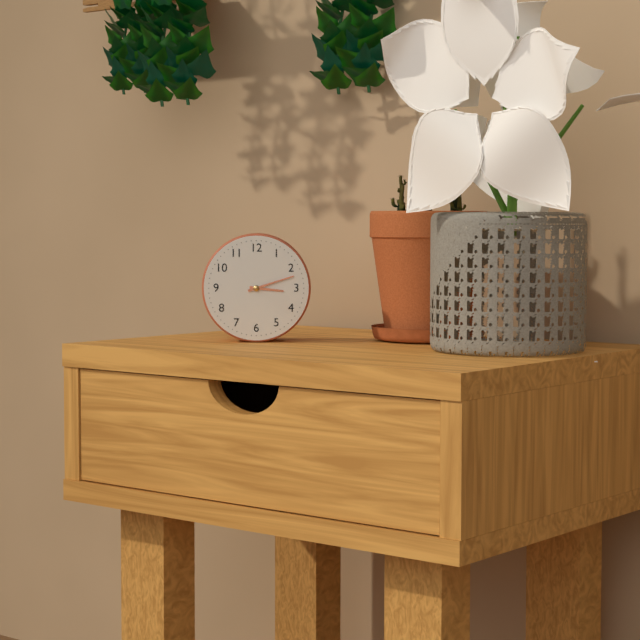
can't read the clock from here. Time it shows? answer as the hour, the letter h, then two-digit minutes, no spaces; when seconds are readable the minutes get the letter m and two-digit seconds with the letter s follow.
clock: 3h12
